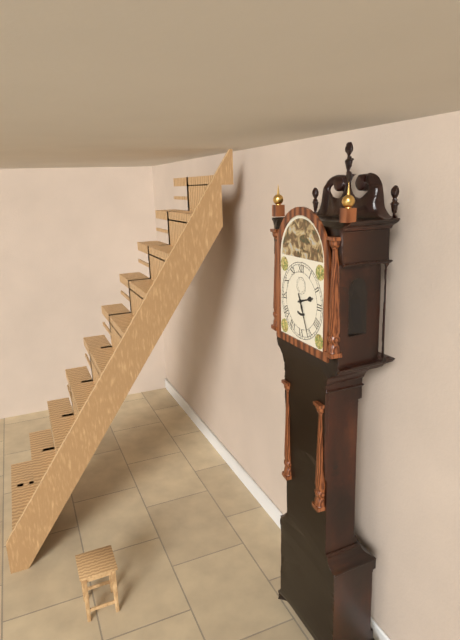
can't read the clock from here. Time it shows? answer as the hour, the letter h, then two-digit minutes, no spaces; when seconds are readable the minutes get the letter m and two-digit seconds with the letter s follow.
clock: 2h26
